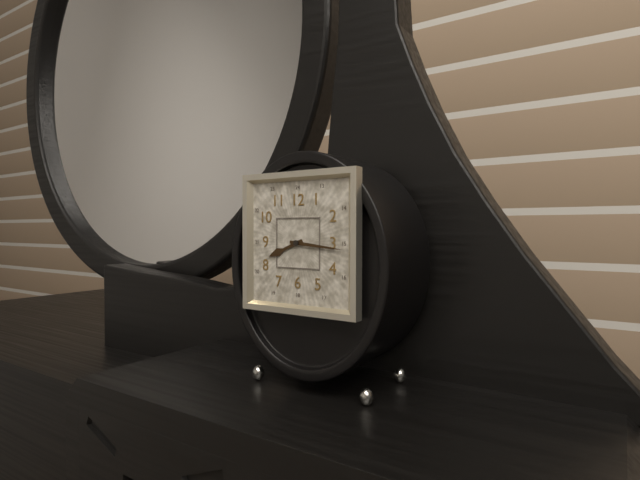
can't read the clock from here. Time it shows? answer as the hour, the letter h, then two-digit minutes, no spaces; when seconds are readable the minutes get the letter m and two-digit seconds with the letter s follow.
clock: 8h16
